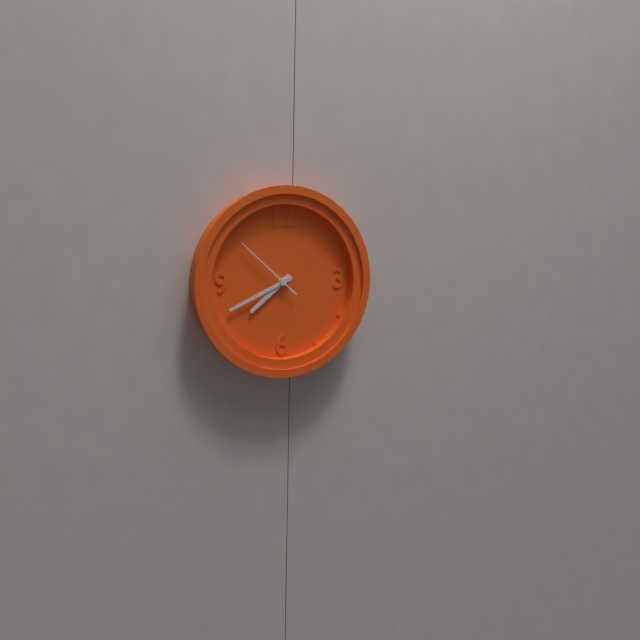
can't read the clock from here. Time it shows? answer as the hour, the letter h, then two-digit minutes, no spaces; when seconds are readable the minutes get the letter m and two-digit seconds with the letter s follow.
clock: 7h41m52s
